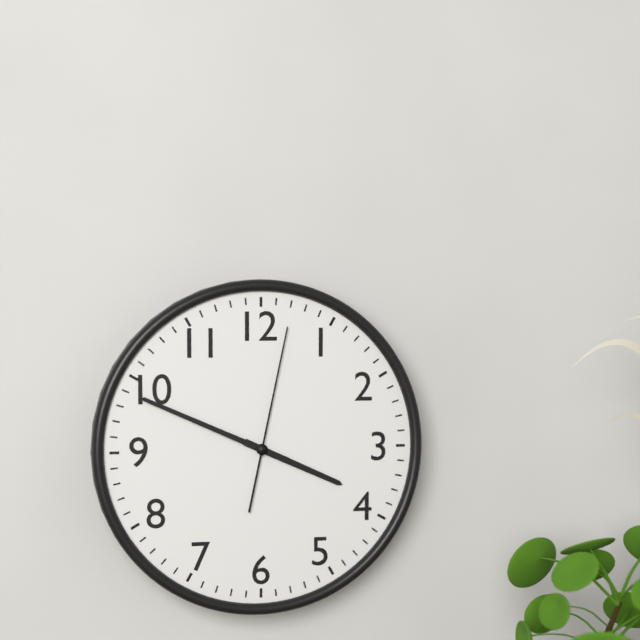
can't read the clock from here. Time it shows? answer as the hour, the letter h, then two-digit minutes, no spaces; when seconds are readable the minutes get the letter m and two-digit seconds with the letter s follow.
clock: 3h49m02s
